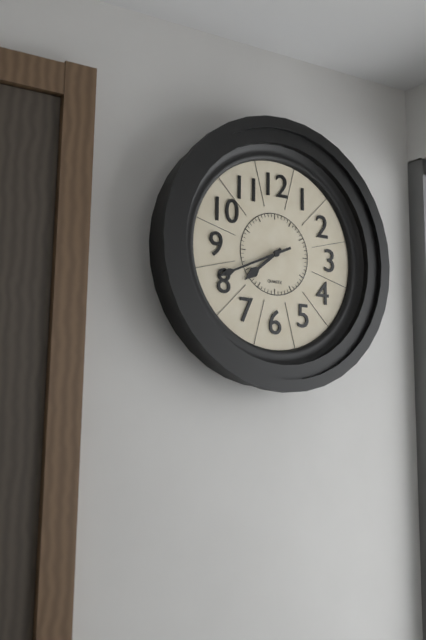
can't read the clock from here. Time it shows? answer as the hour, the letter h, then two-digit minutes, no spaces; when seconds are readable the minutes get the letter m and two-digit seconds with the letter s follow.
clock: 7h41
